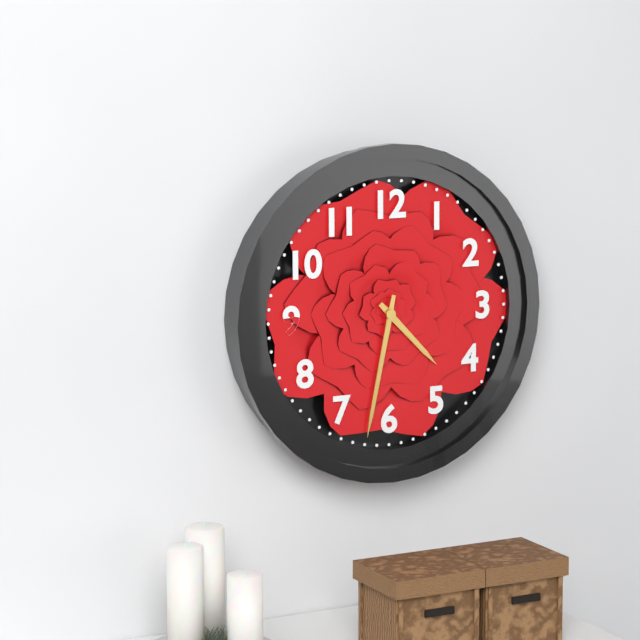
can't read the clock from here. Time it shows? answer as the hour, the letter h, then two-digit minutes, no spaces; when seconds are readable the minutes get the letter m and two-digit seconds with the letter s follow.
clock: 4h32
